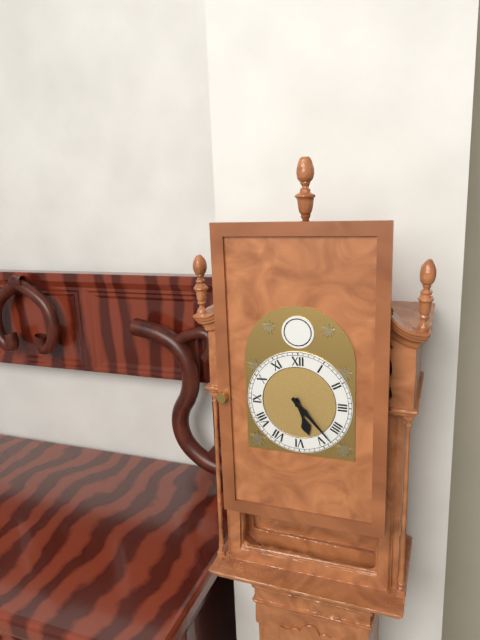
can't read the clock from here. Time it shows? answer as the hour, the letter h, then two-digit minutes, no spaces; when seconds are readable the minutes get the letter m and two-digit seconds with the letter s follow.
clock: 5h23
